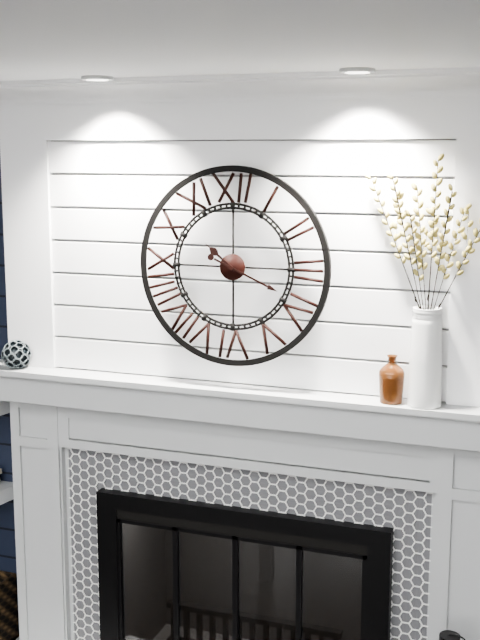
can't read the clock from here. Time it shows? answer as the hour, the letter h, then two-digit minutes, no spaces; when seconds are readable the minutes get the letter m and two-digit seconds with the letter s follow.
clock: 10h19
